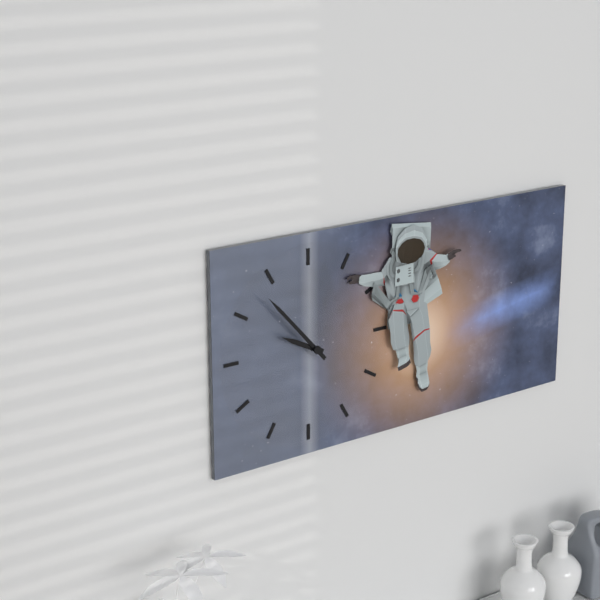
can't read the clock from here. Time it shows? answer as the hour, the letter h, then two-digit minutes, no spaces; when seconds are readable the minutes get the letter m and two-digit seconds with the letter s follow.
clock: 9h53
